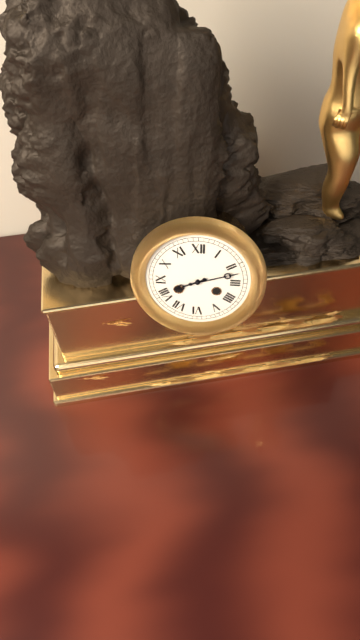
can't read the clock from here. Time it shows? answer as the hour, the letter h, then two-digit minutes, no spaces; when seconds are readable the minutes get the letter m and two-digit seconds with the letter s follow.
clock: 8h12
